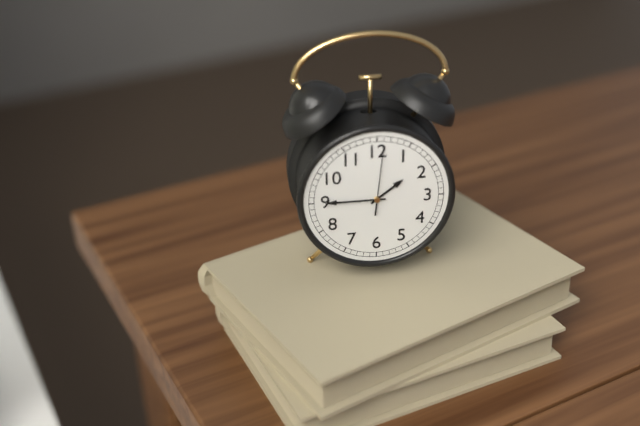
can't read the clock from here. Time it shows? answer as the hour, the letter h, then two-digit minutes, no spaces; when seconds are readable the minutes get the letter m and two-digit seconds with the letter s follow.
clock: 1h45
